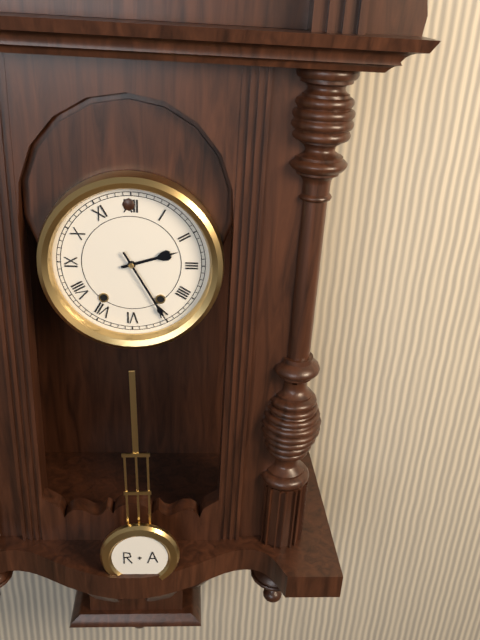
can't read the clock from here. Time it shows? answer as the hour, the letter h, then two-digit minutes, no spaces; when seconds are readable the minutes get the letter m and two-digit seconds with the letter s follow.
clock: 2h25
